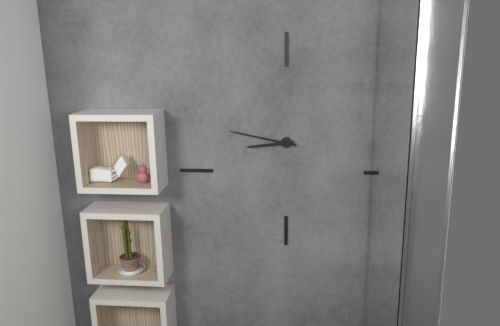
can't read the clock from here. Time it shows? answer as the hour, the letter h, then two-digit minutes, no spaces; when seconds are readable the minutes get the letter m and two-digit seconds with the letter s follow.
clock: 8h47
